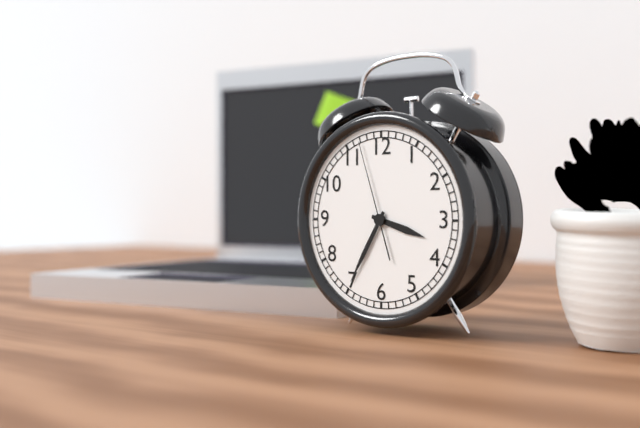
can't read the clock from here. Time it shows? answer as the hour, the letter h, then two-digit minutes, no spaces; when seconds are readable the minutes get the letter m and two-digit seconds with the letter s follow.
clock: 3h35m57s
